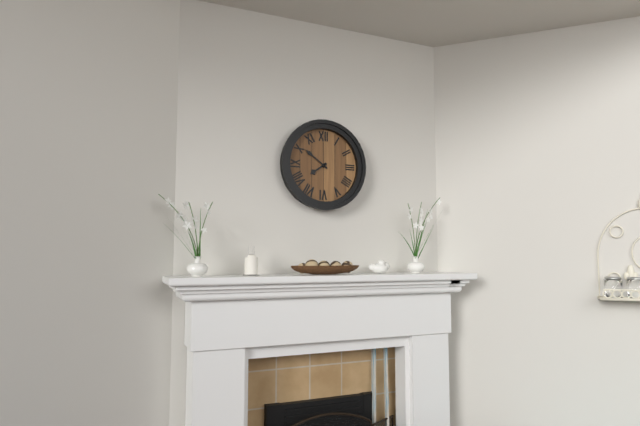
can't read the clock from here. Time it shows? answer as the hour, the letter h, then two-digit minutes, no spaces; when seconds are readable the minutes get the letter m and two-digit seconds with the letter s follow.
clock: 7h51
